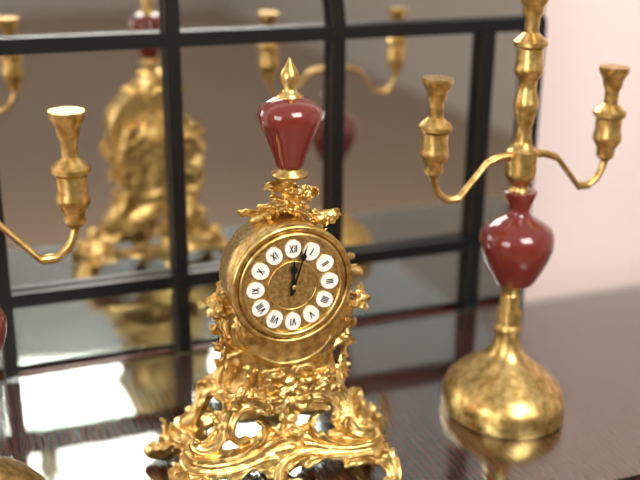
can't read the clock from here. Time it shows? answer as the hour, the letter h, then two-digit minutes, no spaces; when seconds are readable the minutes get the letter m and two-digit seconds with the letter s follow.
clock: 12h03
